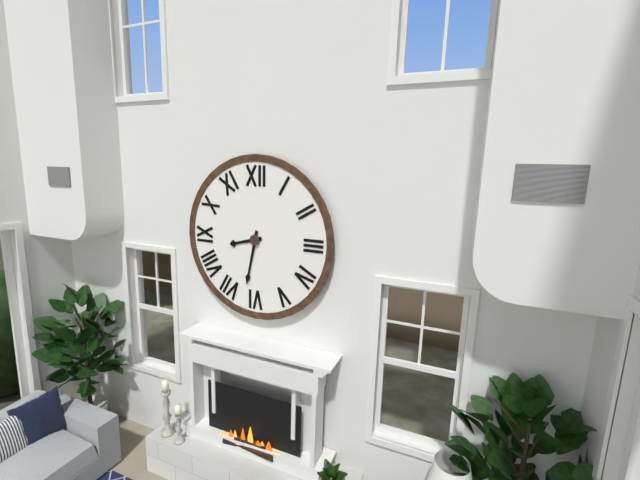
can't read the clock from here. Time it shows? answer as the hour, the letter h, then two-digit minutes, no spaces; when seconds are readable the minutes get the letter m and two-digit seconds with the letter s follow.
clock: 8h32
